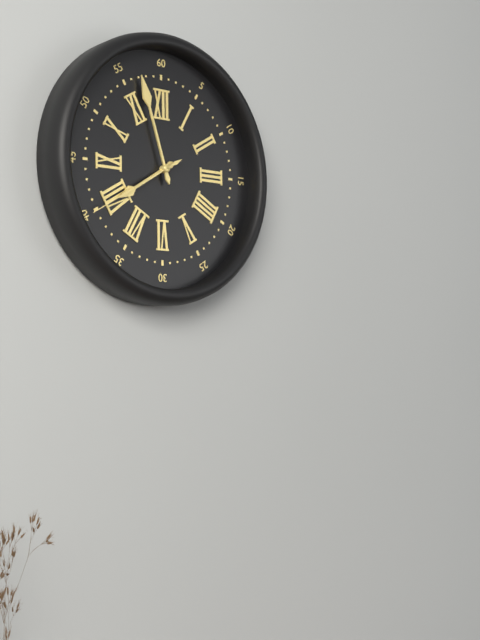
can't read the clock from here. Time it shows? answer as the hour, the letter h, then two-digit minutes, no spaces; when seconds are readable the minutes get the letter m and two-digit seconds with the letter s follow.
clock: 7h57m40s
